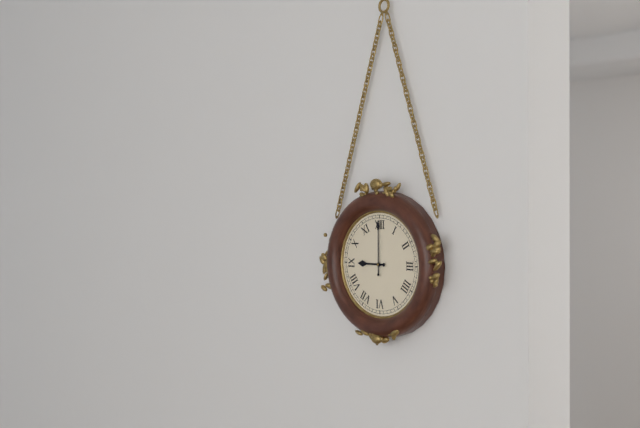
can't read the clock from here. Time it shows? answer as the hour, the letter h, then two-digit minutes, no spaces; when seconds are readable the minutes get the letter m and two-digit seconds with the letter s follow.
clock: 9h00
